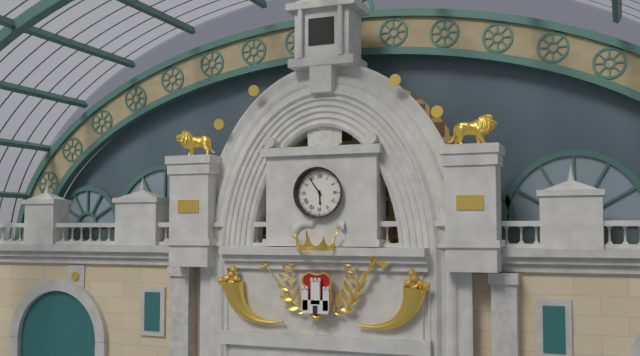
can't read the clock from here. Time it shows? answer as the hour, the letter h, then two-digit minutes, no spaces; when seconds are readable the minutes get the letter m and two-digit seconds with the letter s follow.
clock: 5h54
